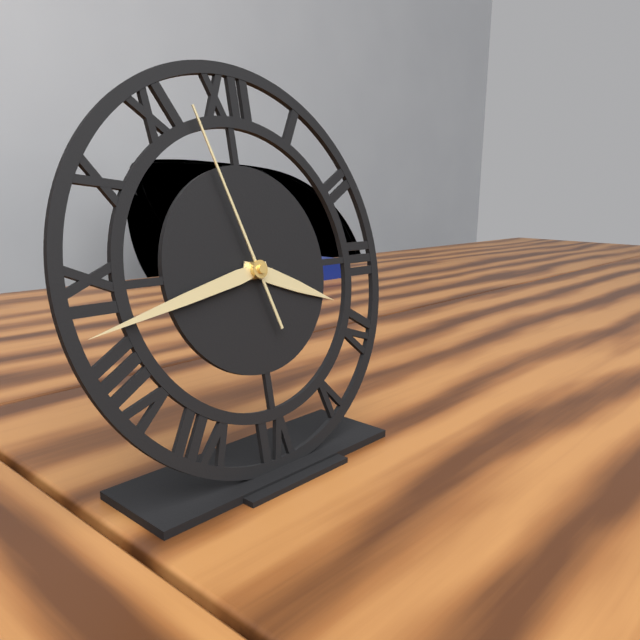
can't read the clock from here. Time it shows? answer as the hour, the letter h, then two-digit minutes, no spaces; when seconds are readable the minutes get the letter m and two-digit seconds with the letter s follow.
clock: 3h43m57s
